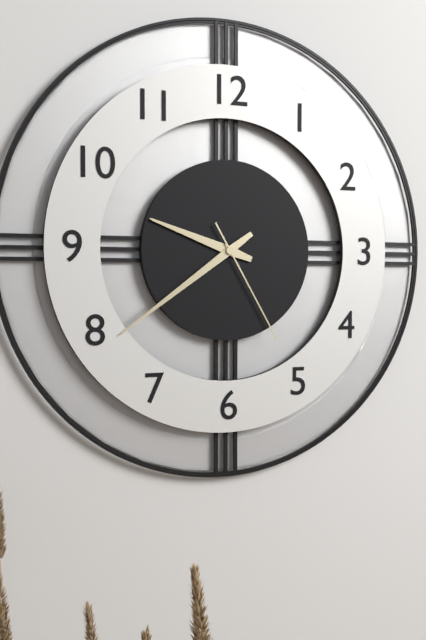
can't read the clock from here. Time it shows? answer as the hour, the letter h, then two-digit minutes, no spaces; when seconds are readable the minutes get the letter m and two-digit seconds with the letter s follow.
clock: 9h39m25s
